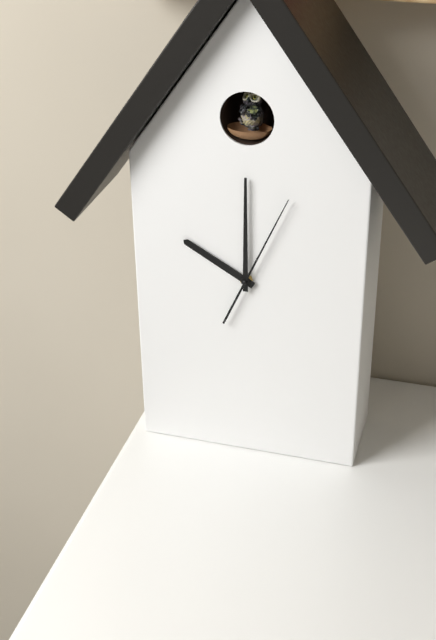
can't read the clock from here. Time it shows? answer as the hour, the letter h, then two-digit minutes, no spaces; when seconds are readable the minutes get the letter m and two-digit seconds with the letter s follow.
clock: 10h00m04s
